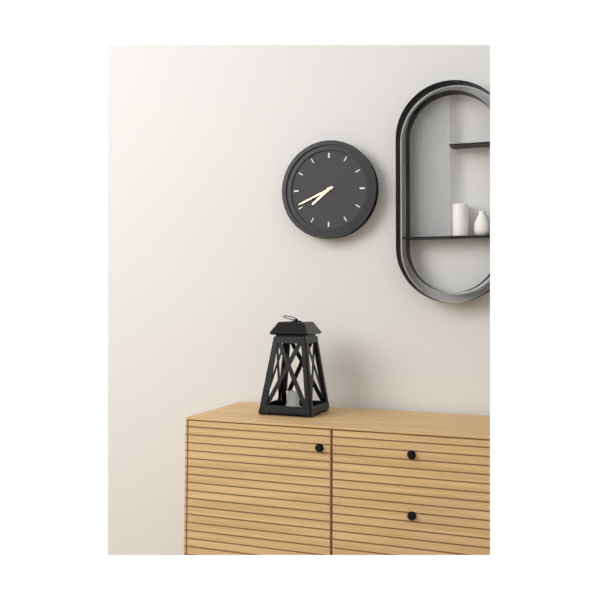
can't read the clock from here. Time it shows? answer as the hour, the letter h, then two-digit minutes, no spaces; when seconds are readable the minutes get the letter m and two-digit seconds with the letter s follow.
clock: 7h41
